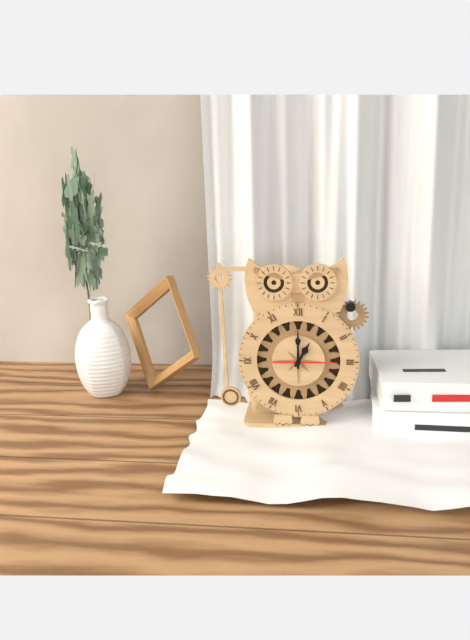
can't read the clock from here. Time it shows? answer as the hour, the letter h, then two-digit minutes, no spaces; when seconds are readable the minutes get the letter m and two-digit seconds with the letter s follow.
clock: 1h00m15s
